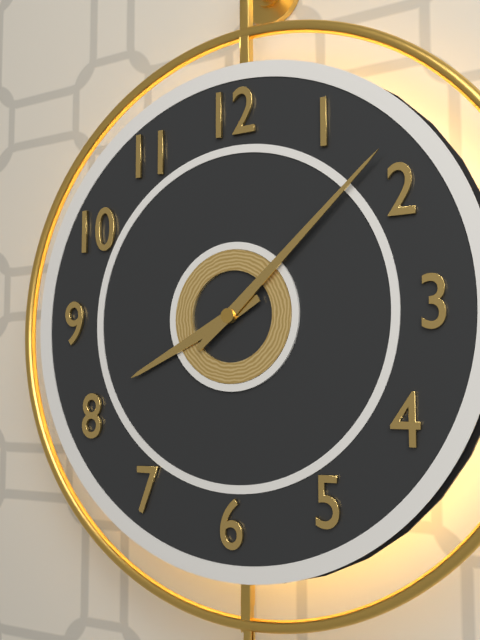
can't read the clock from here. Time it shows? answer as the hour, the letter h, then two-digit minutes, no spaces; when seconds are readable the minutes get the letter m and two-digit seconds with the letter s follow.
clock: 8h08
